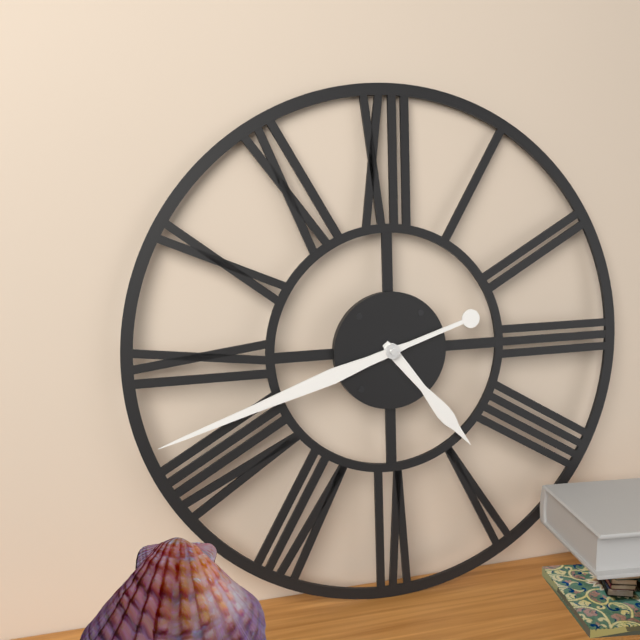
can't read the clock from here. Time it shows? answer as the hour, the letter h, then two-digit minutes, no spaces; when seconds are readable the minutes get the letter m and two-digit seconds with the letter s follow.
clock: 4h42
